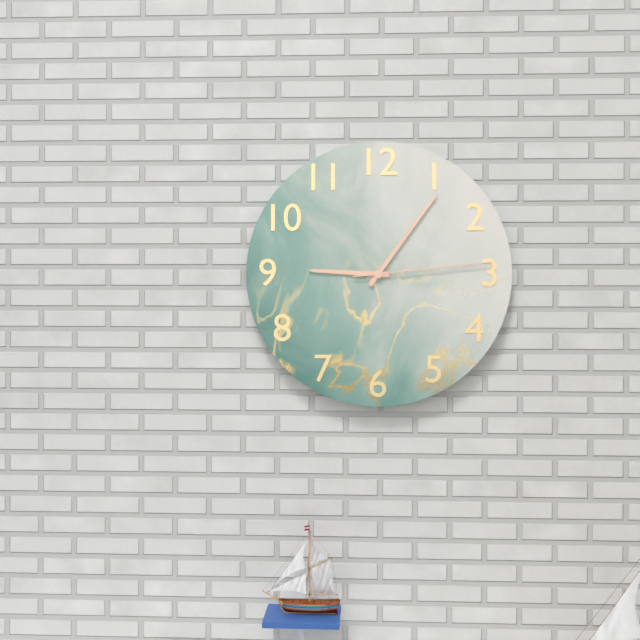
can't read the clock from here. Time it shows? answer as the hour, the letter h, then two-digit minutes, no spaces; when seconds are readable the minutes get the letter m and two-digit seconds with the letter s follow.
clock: 9h06m14s
